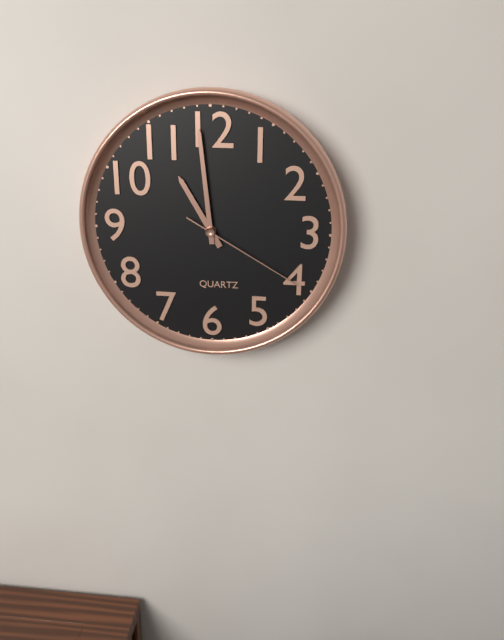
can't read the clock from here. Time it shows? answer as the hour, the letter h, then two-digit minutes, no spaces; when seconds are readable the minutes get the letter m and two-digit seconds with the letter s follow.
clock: 10h59m20s
